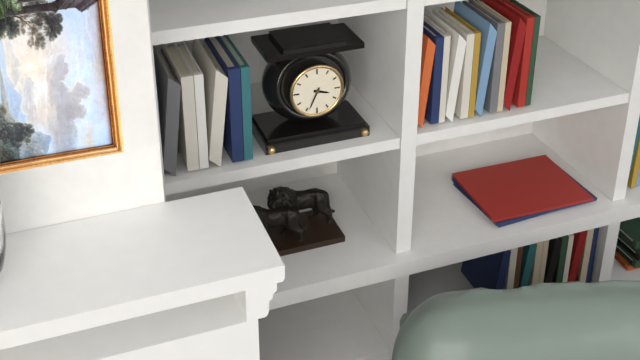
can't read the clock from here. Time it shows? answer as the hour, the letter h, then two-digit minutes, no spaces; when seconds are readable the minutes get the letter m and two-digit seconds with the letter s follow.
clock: 3h34
